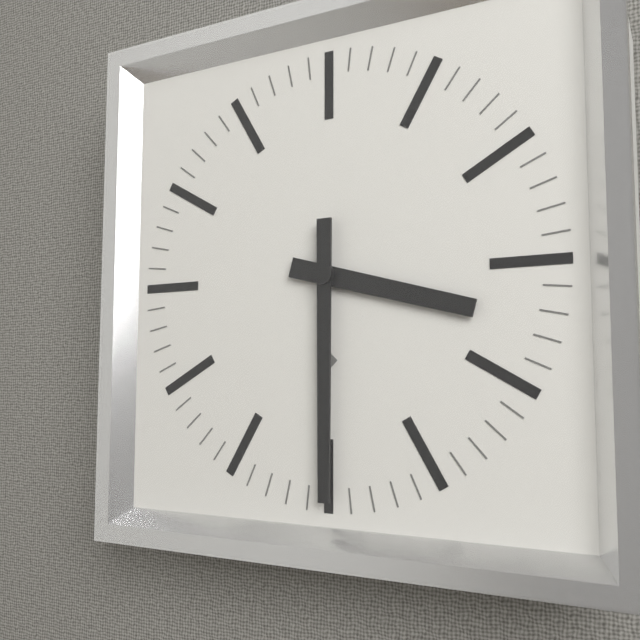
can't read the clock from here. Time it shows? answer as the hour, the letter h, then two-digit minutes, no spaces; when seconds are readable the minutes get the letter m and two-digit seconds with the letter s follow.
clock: 3h30
